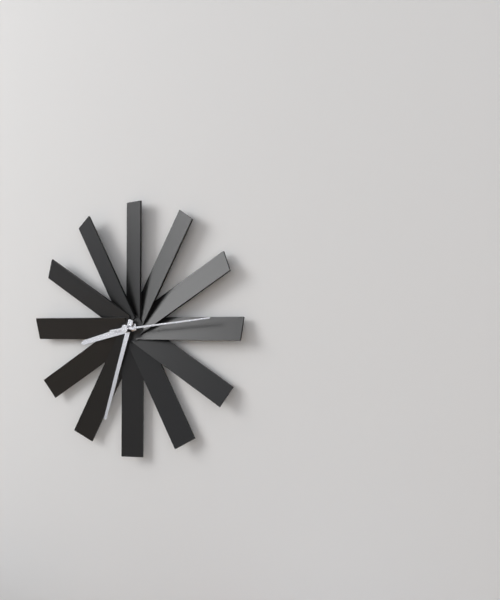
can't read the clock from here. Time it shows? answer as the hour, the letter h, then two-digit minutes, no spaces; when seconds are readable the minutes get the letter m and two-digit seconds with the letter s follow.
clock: 8h33m14s
